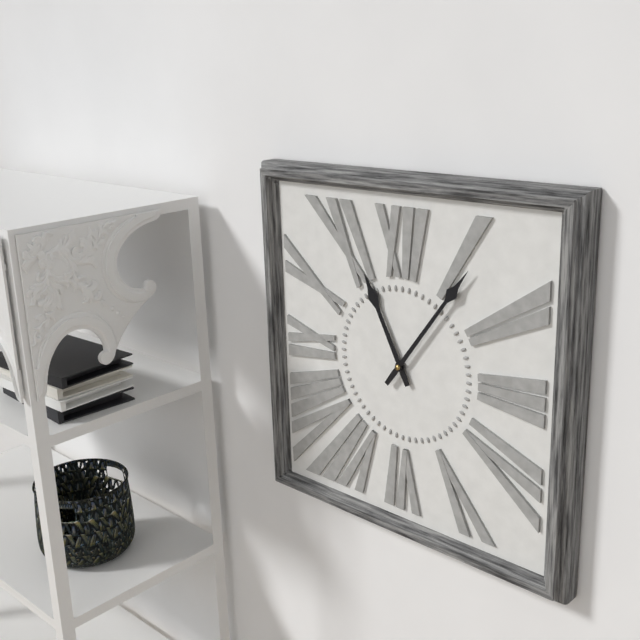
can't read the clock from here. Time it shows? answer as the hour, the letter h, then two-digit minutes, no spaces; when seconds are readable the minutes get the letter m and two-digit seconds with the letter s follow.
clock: 11h06
